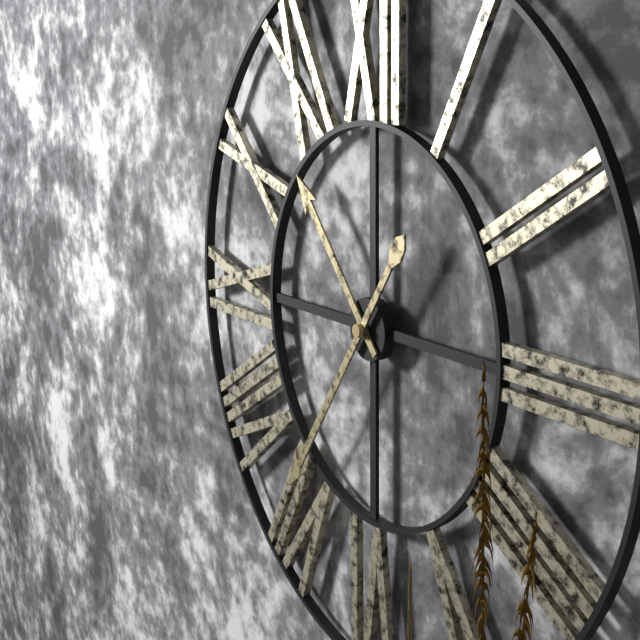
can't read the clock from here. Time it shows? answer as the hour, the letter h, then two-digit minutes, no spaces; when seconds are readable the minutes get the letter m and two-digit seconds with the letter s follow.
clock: 10h36
